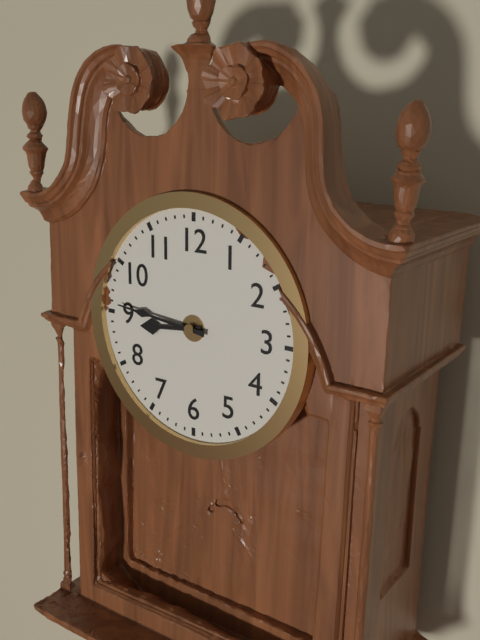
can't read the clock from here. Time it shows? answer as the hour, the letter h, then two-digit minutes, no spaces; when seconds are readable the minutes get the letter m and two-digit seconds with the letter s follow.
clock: 8h46
